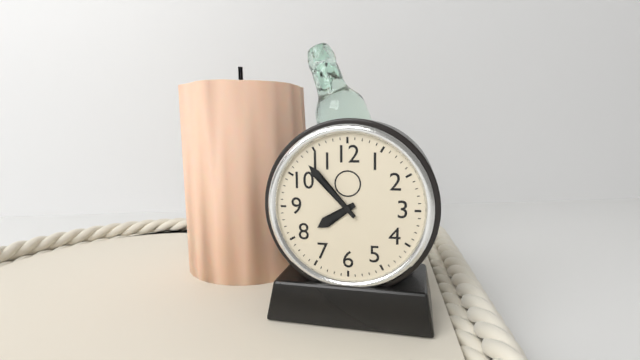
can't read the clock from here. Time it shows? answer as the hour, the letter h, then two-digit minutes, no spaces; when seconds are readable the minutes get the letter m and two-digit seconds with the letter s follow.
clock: 7h53
